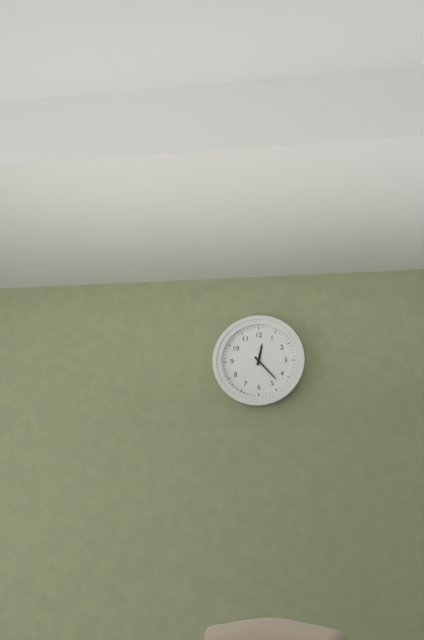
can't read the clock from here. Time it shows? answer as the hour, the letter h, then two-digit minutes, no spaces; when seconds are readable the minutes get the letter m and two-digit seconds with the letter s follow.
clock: 12h23
